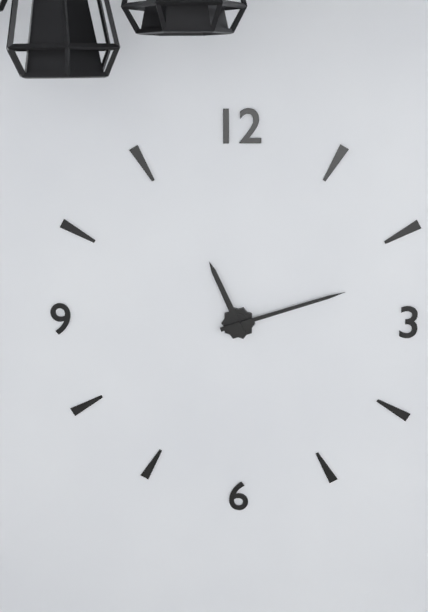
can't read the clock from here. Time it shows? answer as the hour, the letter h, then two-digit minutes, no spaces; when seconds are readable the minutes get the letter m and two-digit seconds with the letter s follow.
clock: 11h12
